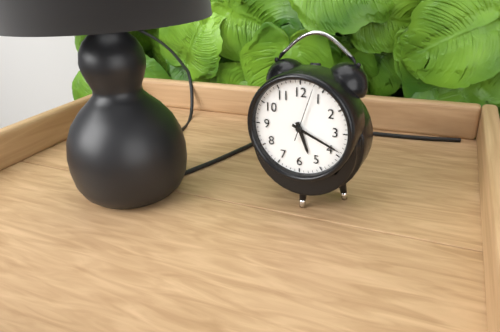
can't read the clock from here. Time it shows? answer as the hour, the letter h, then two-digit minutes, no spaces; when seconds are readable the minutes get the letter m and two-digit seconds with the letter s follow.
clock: 5h19m03s
